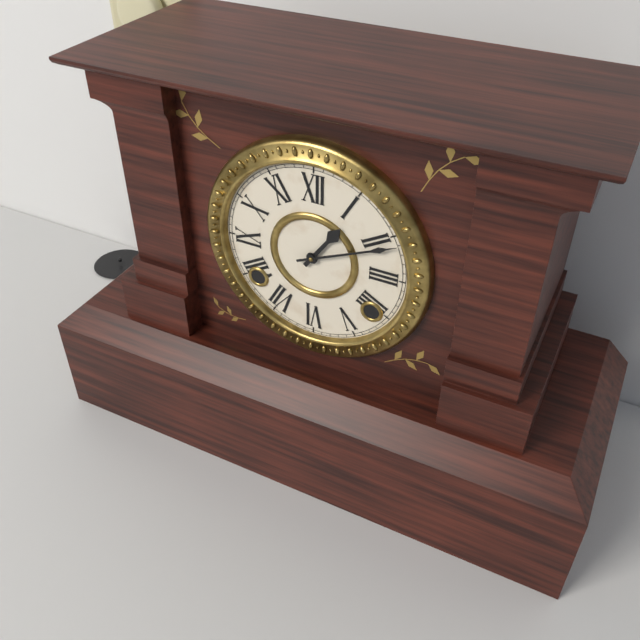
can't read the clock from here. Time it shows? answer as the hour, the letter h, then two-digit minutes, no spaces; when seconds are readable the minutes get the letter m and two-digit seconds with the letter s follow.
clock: 1h11
